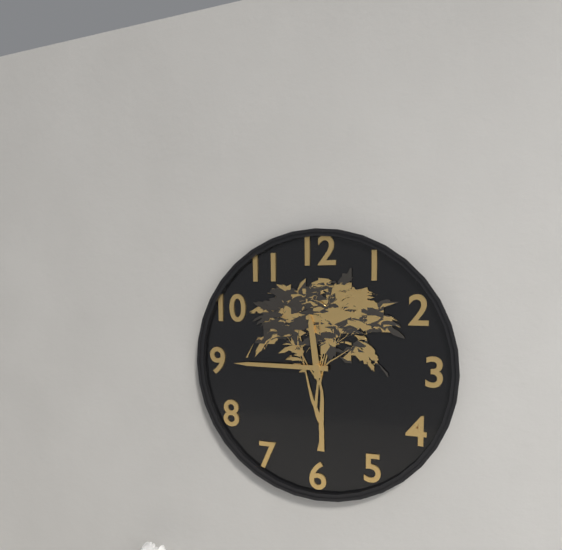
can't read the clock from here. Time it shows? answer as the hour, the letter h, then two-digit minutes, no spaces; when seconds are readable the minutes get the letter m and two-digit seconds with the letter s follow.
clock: 11h45
